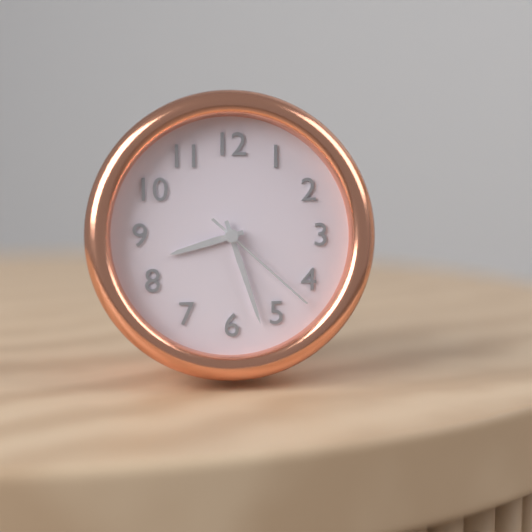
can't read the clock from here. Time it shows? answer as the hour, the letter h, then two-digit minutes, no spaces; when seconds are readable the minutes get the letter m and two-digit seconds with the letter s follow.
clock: 8h27m22s
